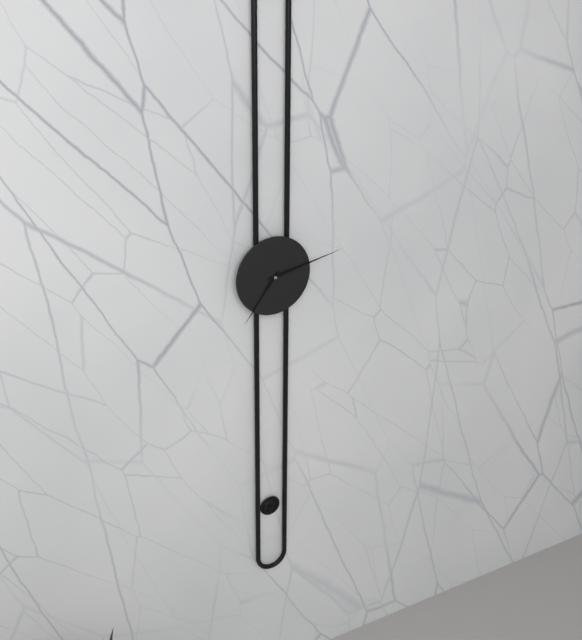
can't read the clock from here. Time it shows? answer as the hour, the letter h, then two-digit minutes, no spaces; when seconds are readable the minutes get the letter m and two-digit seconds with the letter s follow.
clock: 7h13
